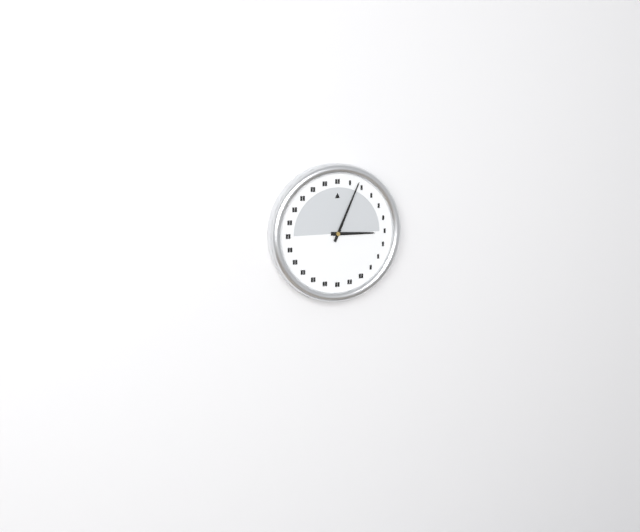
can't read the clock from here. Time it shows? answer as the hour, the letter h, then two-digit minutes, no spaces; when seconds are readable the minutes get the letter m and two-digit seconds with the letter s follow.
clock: 3h04
